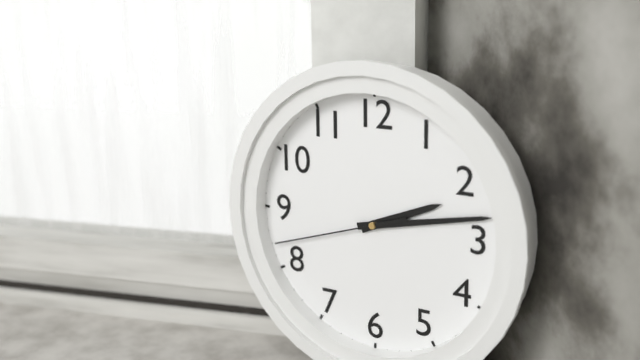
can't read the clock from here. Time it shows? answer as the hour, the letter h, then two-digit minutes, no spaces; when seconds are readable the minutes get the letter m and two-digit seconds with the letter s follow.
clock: 2h13m42s
